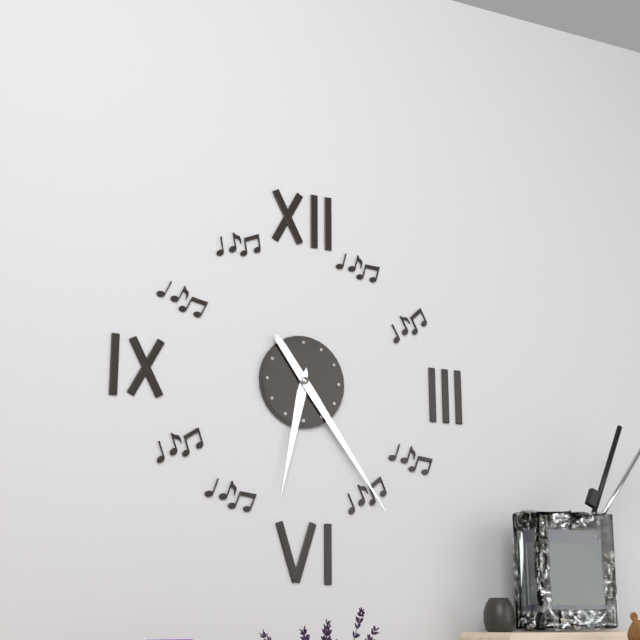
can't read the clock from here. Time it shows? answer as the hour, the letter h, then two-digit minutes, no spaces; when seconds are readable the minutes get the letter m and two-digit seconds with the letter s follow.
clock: 6h24
